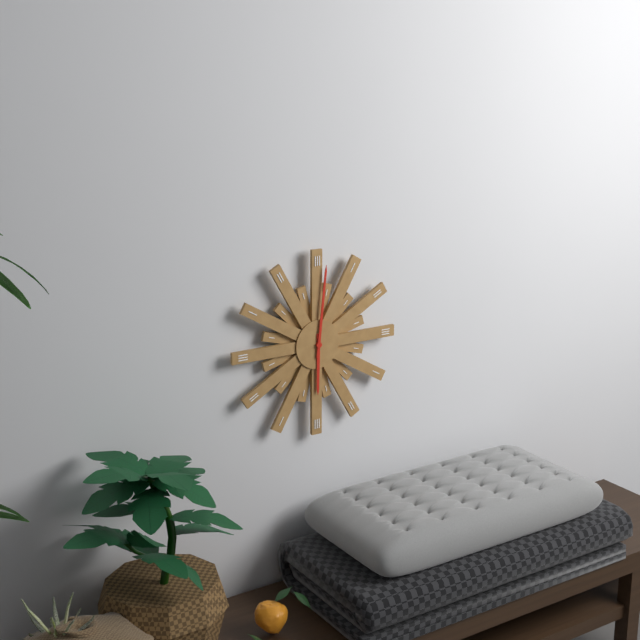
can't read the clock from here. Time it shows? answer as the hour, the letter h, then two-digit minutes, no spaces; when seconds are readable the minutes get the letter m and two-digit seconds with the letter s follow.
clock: 6h01
